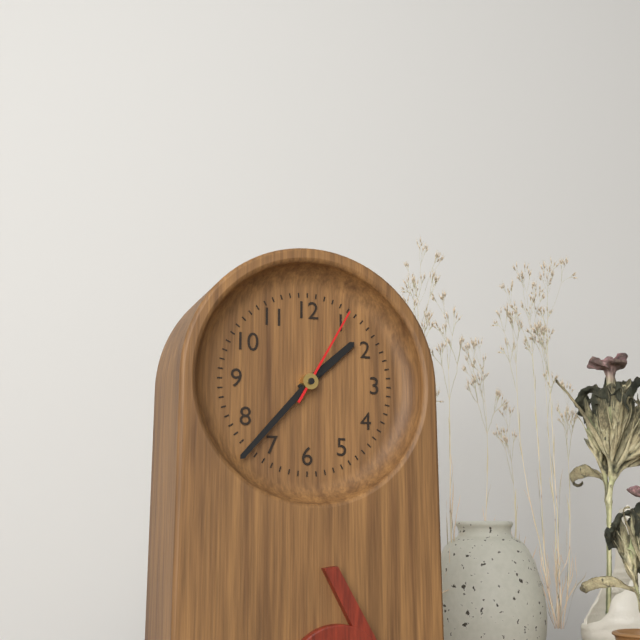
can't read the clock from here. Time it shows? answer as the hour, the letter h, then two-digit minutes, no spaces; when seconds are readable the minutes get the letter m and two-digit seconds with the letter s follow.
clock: 1h37m05s
